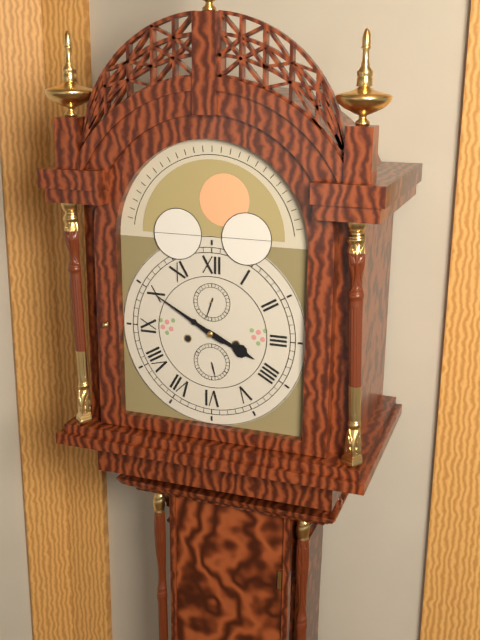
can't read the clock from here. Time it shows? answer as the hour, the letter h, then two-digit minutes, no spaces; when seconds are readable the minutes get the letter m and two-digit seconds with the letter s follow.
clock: 3h50
